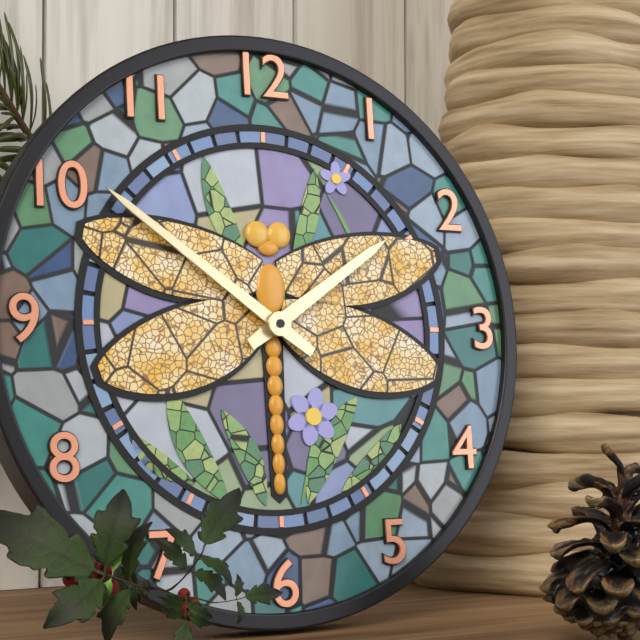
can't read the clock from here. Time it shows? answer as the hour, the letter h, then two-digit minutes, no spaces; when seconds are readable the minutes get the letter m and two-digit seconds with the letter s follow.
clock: 1h51
